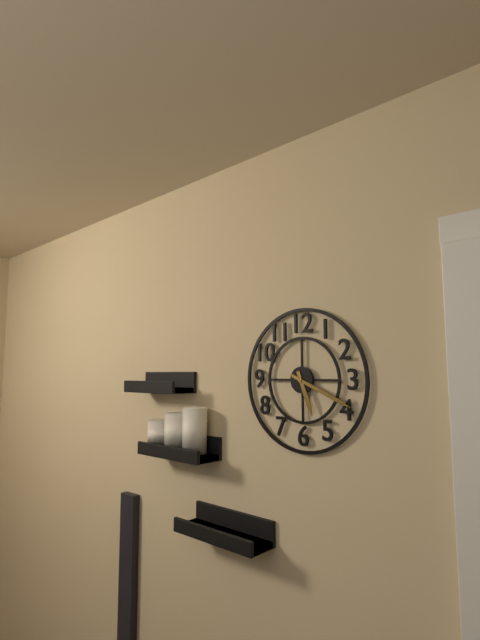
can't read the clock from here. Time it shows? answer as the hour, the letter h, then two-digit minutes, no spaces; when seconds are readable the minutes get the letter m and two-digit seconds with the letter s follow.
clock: 5h19
